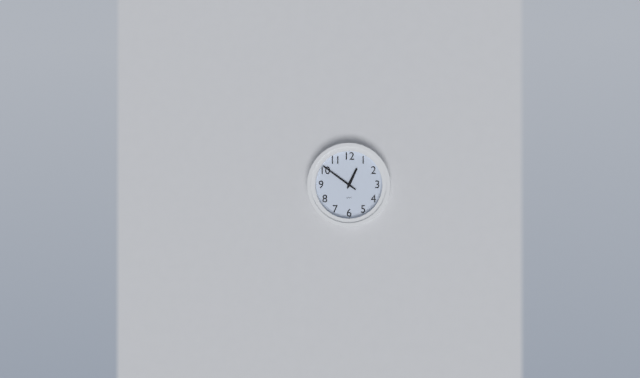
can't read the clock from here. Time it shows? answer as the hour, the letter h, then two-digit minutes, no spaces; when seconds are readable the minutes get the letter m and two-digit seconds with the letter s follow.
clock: 12h51
